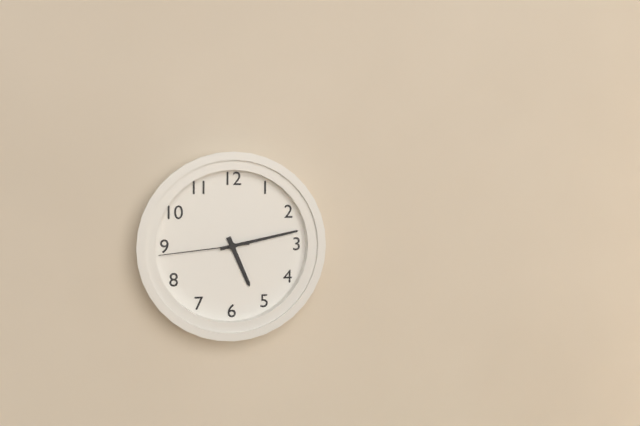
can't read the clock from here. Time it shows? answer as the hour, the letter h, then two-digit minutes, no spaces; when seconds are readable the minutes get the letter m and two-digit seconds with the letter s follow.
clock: 5h13m44s
